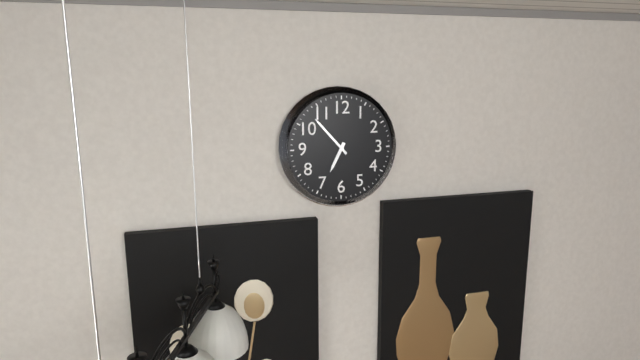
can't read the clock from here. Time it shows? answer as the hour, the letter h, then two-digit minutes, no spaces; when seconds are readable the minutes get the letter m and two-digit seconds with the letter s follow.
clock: 6h53
